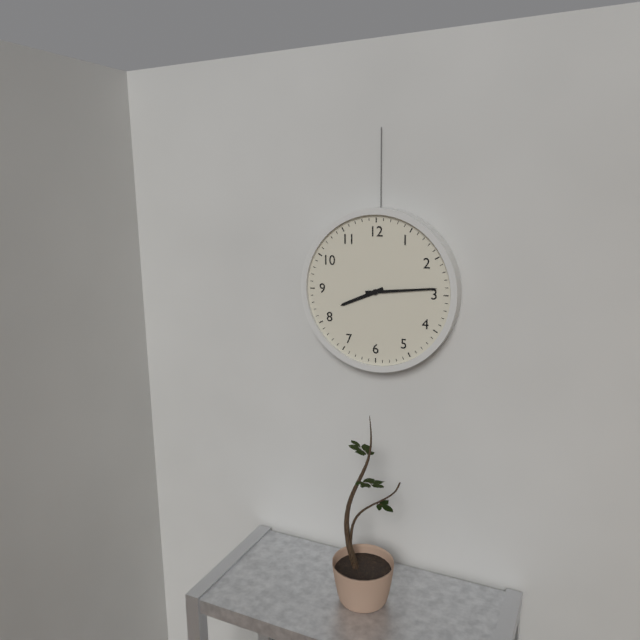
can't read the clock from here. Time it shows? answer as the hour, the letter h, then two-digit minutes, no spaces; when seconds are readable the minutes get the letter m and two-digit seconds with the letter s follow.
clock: 8h14
